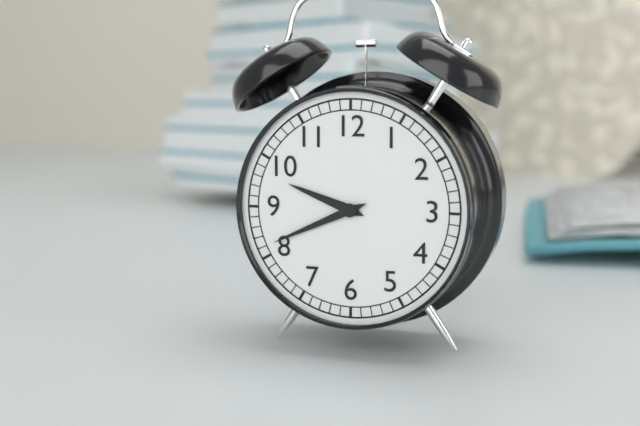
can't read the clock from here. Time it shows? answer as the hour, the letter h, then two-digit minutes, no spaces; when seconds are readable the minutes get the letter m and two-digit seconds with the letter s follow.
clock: 9h41
